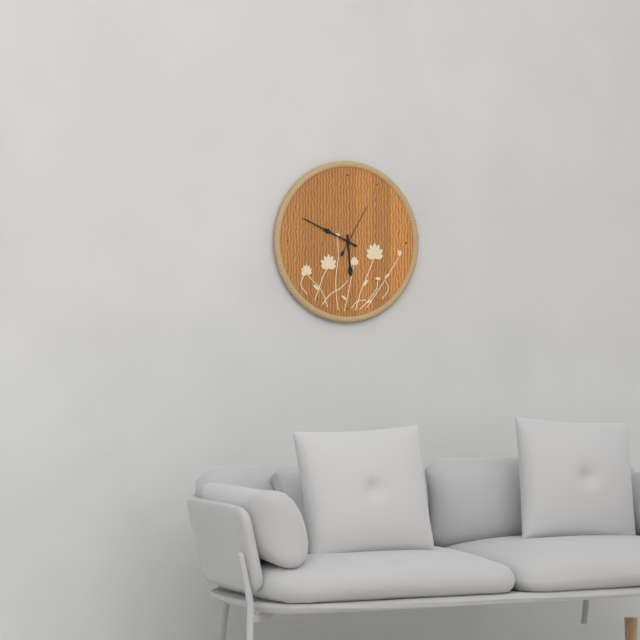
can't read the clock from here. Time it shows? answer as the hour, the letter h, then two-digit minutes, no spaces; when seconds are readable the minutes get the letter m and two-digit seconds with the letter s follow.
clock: 5h49m05s
